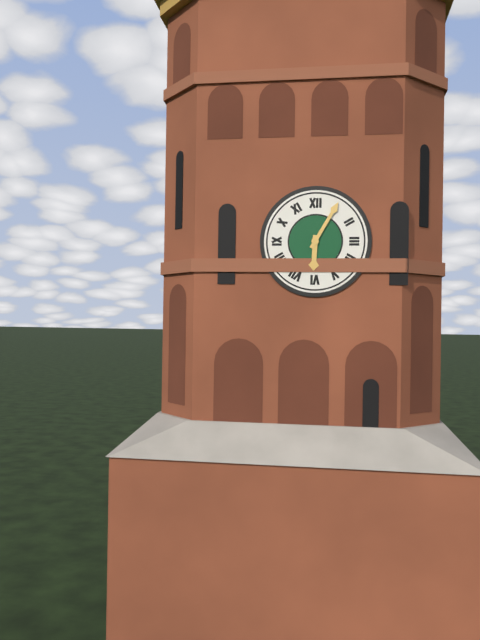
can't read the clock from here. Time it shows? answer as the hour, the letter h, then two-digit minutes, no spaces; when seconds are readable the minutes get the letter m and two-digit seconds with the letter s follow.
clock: 6h05
